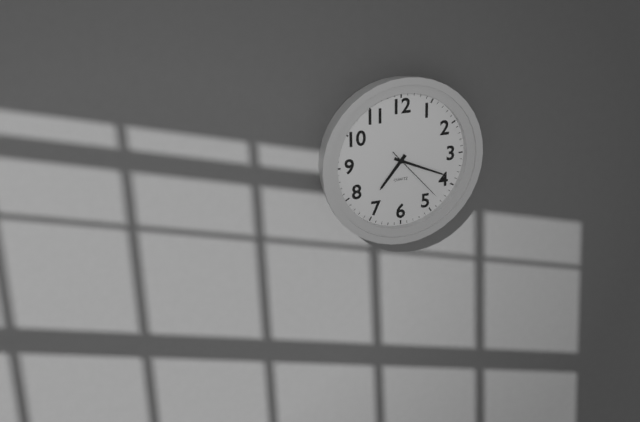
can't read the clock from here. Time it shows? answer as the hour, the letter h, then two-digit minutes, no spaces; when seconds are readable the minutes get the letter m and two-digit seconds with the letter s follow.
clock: 7h19m23s
